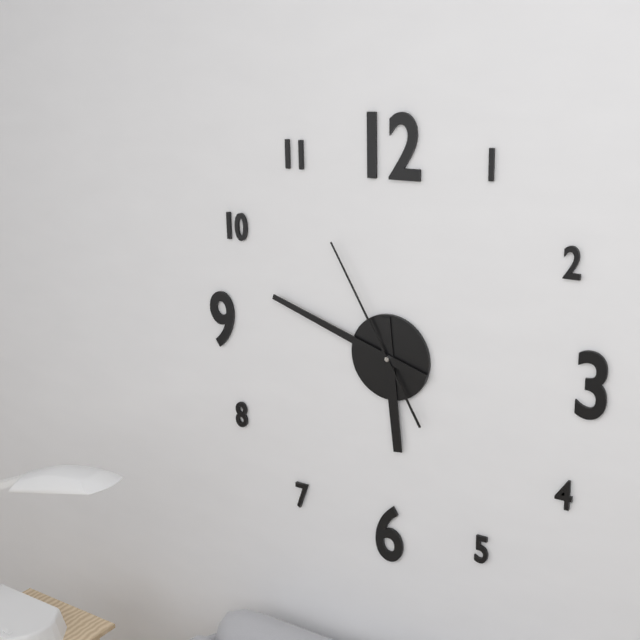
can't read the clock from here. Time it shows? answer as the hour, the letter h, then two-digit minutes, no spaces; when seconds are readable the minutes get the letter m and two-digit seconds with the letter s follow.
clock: 5h48m55s
